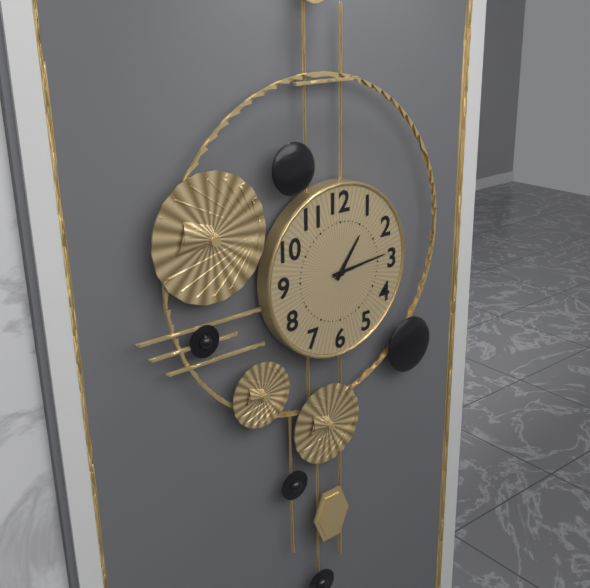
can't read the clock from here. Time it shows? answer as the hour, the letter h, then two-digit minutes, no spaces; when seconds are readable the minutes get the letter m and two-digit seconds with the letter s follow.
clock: 1h14
